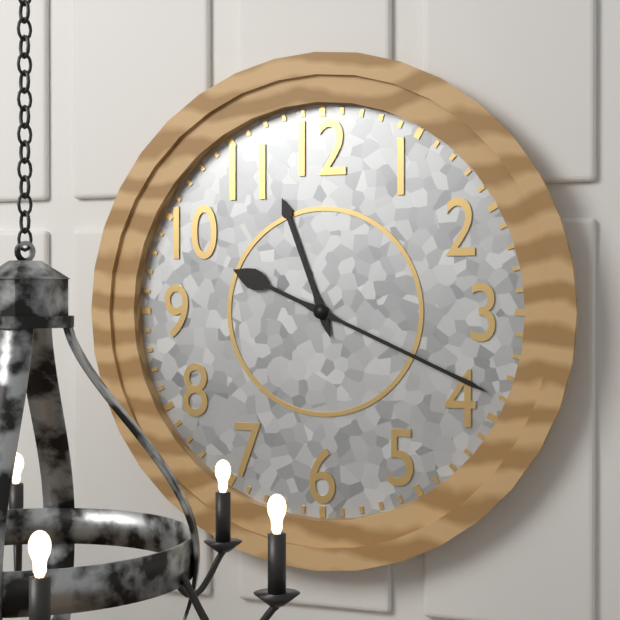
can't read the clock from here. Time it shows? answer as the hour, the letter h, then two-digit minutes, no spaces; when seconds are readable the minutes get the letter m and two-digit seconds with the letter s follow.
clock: 11h19
